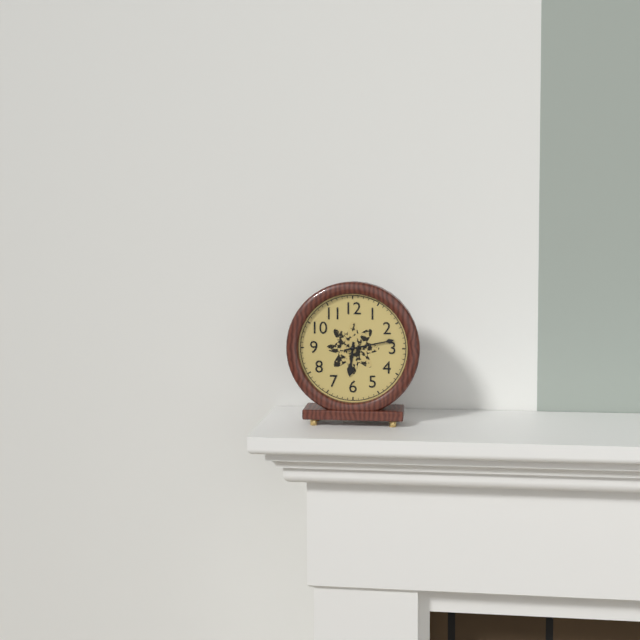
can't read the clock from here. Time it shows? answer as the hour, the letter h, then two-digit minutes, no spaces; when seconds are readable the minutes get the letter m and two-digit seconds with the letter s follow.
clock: 6h13
